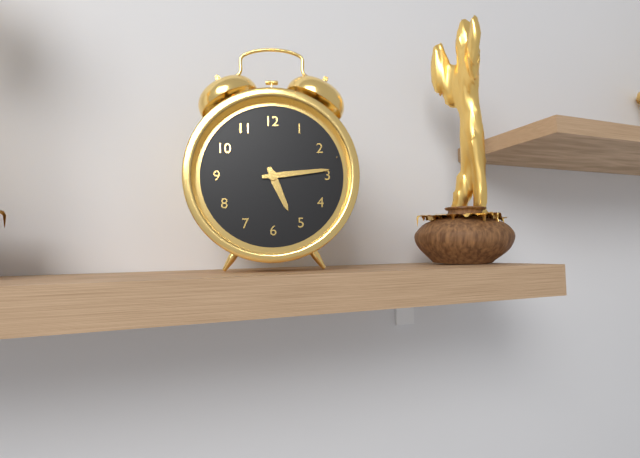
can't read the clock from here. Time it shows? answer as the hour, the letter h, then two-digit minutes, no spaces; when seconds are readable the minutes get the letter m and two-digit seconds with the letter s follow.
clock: 5h14
